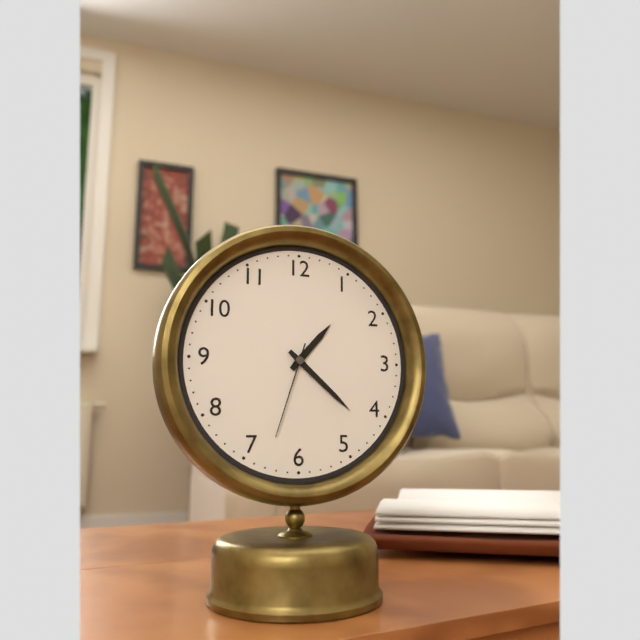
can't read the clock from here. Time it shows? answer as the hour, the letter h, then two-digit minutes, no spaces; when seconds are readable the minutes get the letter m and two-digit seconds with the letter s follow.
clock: 1h22m33s
